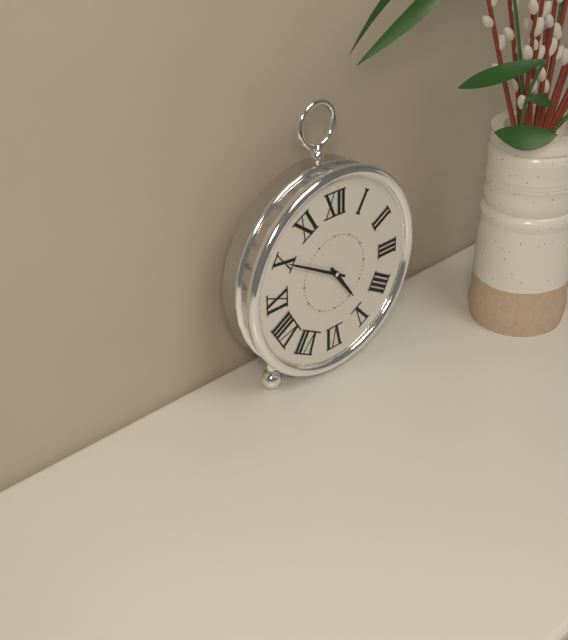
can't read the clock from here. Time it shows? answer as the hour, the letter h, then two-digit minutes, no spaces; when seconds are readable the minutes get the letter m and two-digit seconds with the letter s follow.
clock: 4h50
